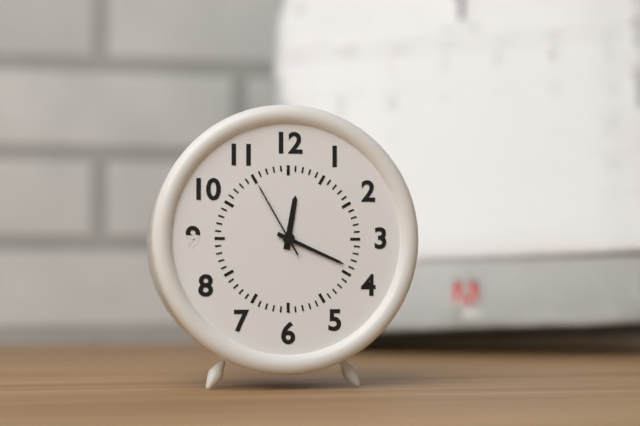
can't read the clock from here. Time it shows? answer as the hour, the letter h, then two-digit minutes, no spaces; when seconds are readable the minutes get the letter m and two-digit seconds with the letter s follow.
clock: 12h19m55s
